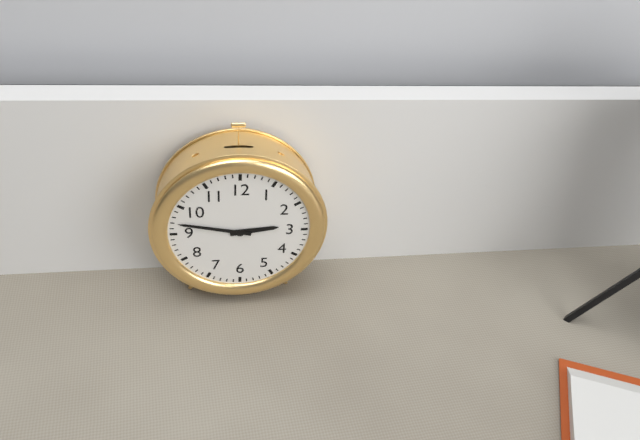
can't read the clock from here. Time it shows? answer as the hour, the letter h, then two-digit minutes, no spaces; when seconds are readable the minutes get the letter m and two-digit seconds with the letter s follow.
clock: 2h47
